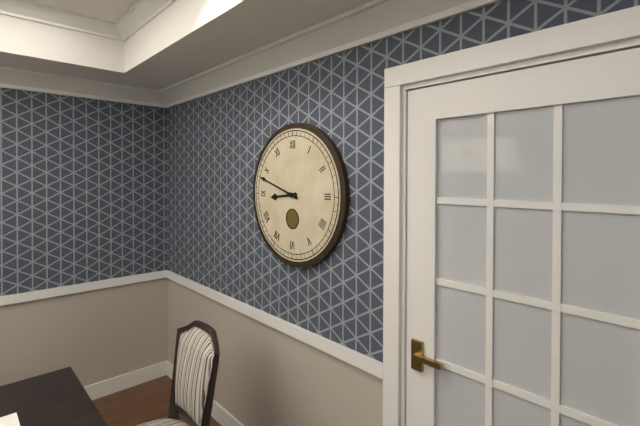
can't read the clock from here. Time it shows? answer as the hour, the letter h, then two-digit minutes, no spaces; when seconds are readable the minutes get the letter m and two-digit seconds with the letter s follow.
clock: 8h48
